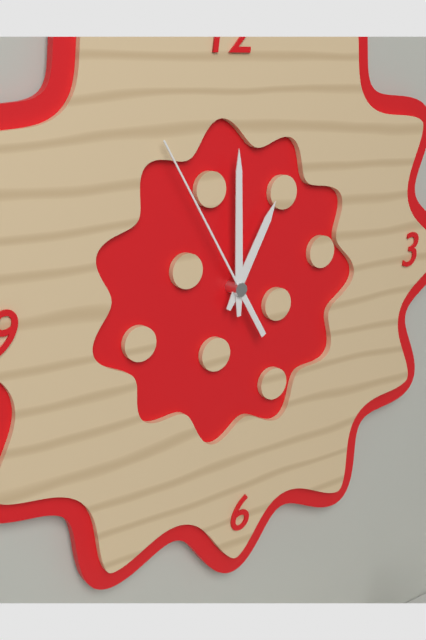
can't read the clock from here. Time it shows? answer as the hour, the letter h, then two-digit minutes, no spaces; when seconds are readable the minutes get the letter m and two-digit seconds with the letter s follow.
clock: 1h00m55s
